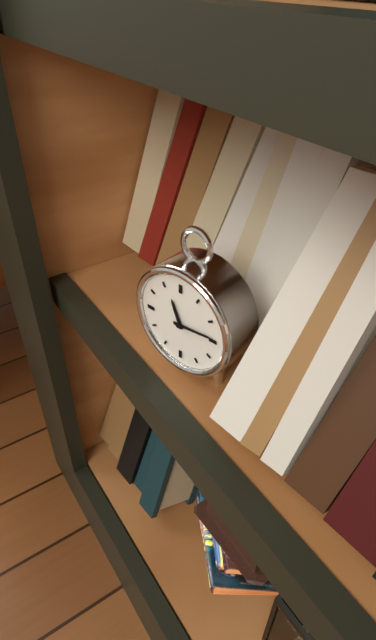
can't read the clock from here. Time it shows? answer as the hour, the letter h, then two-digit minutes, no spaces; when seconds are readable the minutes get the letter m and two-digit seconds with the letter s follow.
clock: 11h14
